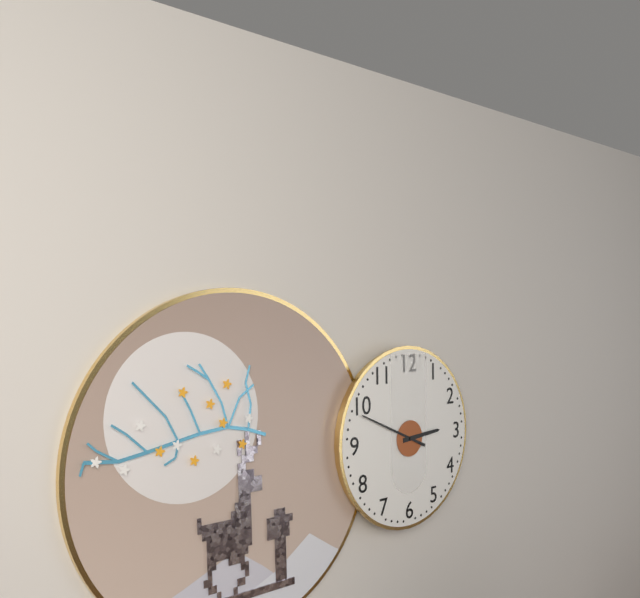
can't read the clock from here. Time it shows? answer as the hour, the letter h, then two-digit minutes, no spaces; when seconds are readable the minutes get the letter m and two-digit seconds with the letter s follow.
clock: 2h49
